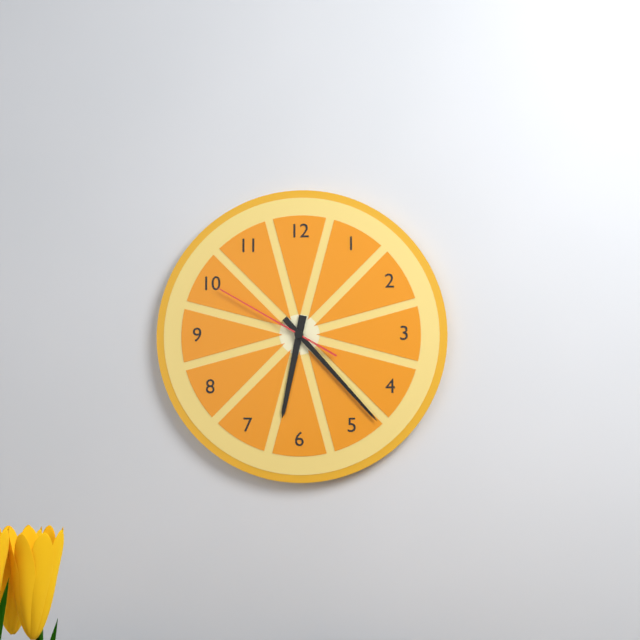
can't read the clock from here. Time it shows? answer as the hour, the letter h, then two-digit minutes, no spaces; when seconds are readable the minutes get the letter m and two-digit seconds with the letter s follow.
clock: 6h23m50s
